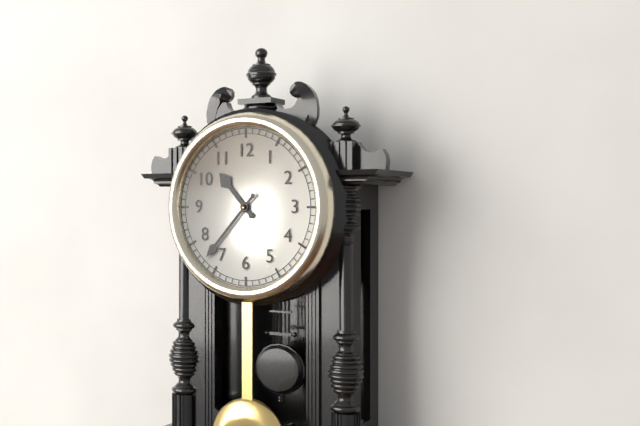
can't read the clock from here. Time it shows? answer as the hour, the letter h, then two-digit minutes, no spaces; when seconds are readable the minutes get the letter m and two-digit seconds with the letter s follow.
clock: 10h37
